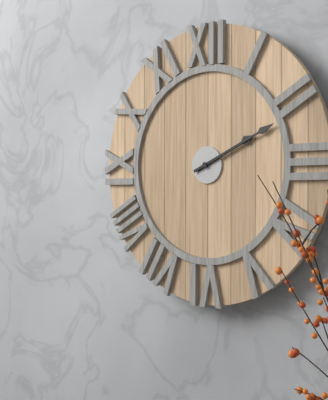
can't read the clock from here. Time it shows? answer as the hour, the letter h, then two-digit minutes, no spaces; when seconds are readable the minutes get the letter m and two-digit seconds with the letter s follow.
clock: 2h11
